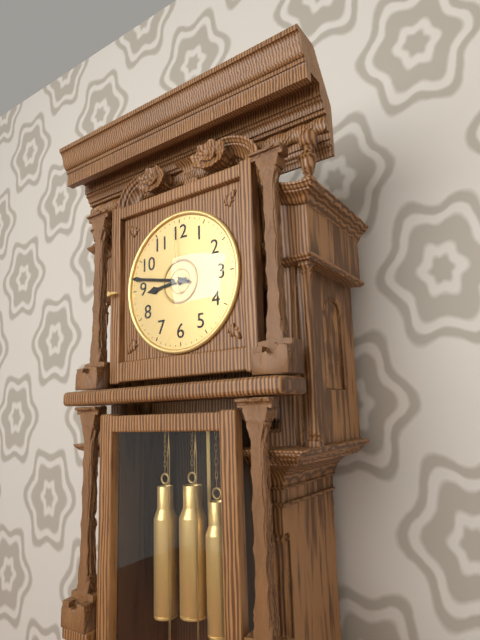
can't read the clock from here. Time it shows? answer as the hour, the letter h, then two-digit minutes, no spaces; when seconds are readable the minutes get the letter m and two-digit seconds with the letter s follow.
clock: 8h47m59s
